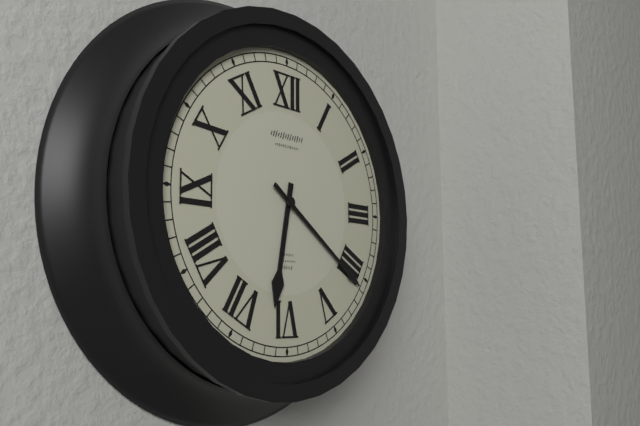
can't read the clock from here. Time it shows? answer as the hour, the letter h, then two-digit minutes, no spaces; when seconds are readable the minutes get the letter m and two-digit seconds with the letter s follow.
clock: 6h21
